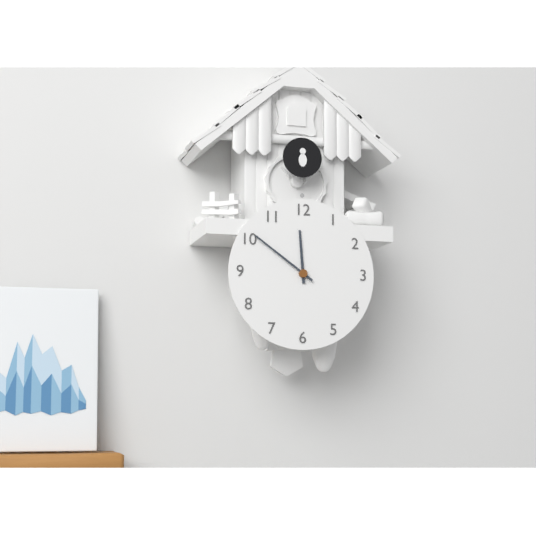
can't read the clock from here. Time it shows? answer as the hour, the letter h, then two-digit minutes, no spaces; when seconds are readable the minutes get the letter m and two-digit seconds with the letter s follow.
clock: 11h51
